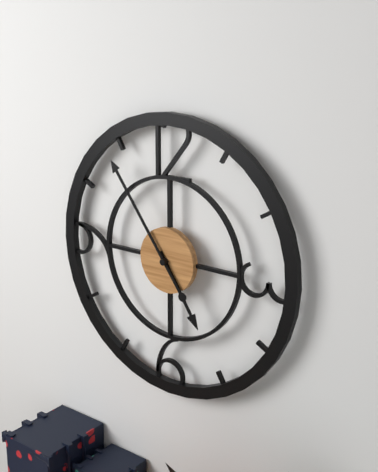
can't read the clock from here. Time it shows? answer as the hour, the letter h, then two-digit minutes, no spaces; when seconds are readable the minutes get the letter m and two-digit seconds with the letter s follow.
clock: 4h54
